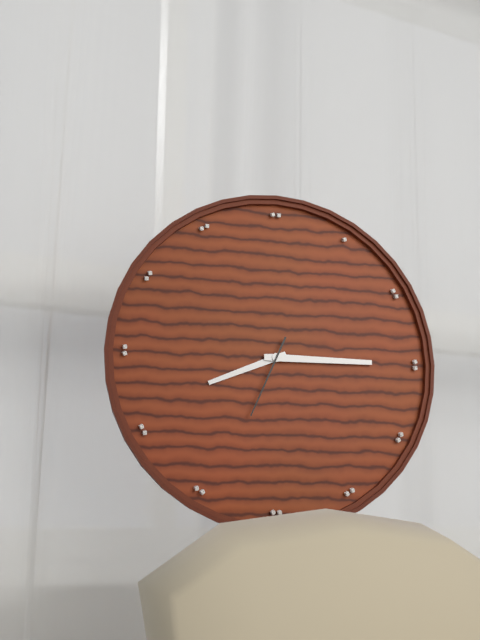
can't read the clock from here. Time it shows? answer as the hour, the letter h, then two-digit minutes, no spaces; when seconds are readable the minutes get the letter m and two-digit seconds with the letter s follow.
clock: 8h15m34s
